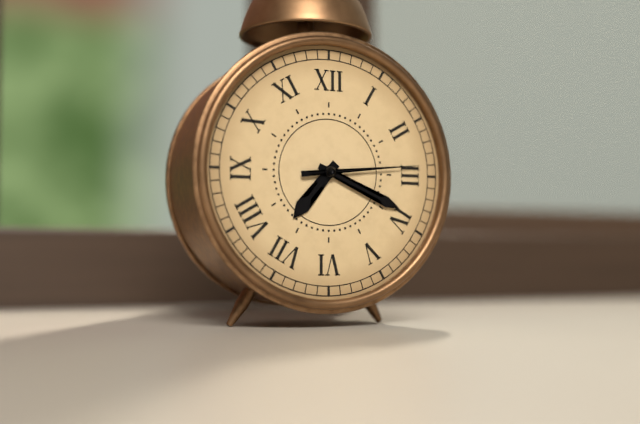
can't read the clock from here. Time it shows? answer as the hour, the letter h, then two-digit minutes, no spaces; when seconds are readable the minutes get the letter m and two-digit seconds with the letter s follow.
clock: 7h19m14s
